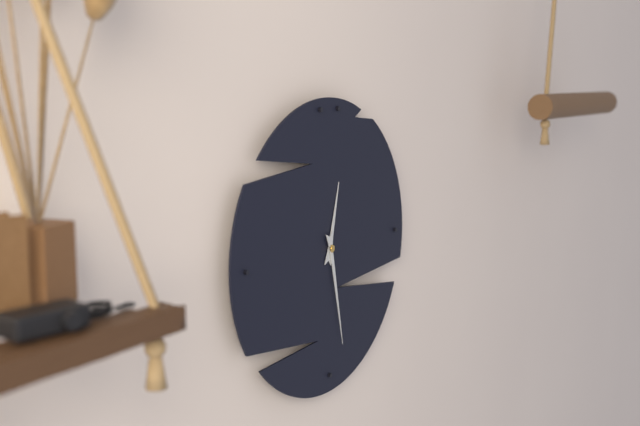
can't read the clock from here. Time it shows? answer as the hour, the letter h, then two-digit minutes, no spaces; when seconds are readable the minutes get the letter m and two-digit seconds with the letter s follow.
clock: 12h28
